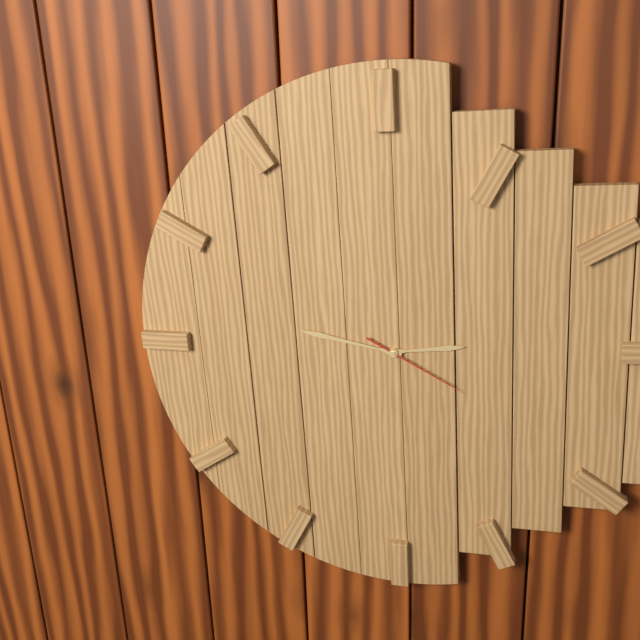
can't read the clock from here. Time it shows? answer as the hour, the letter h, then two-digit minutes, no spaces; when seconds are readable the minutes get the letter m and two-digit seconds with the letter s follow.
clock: 2h47m20s
